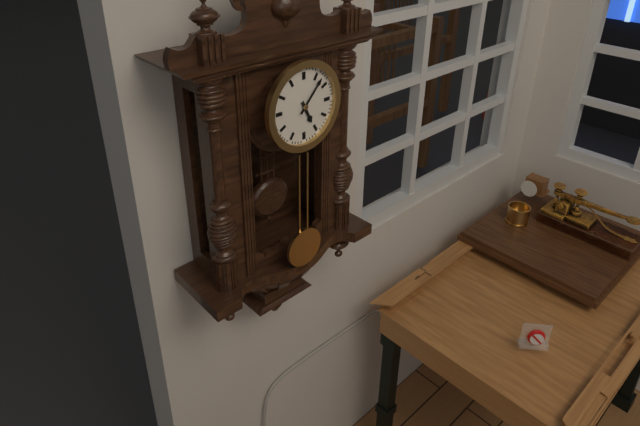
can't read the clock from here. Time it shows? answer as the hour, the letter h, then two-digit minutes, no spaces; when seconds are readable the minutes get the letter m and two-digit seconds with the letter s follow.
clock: 5h07
